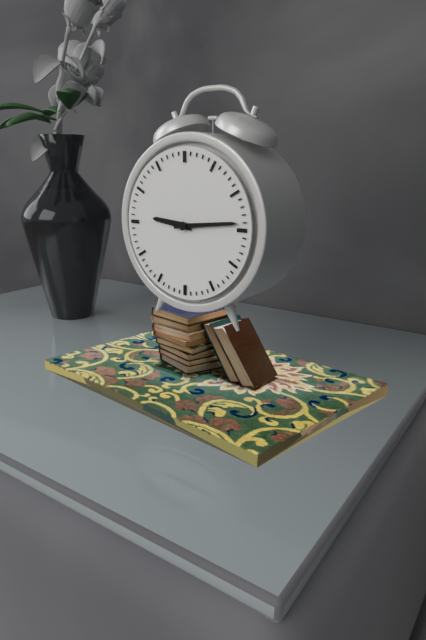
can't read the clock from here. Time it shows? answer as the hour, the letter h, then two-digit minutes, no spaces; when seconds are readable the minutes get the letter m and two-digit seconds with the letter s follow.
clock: 9h14
